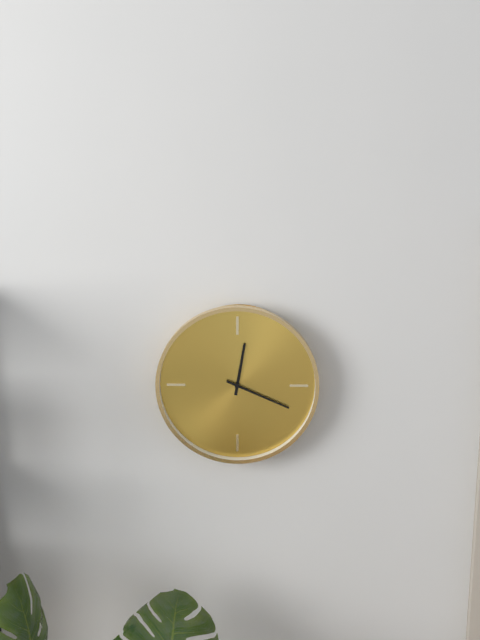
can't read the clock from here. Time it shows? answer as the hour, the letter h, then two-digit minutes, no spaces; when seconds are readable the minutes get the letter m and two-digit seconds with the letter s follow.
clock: 12h19
